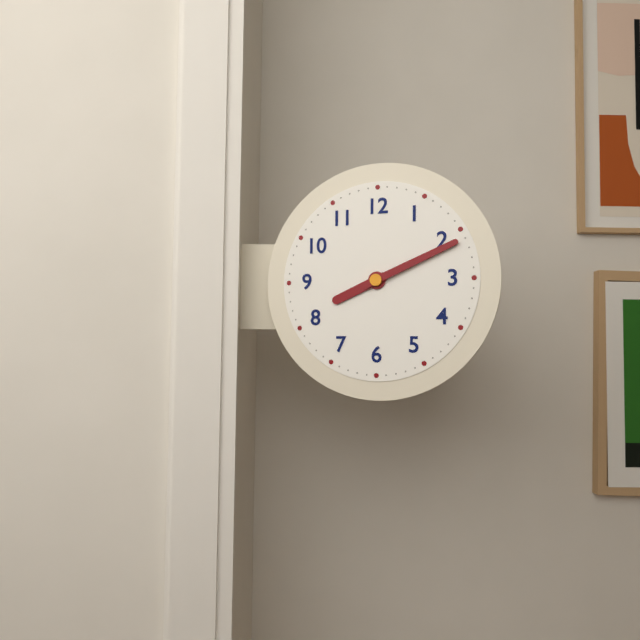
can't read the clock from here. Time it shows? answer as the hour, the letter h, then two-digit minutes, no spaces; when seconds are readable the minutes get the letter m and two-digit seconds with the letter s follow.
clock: 8h11
